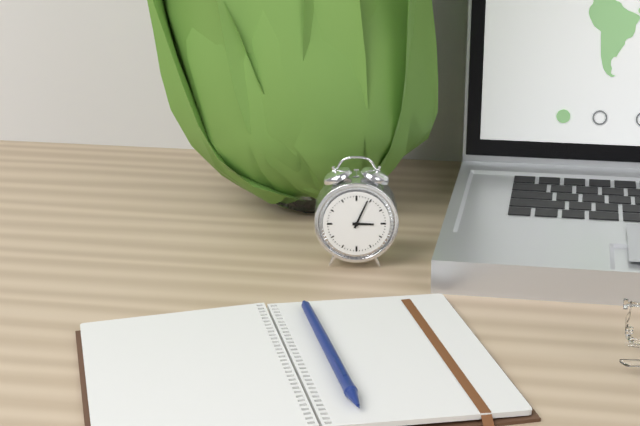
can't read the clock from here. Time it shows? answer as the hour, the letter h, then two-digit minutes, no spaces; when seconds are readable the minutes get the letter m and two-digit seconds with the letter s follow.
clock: 3h04
